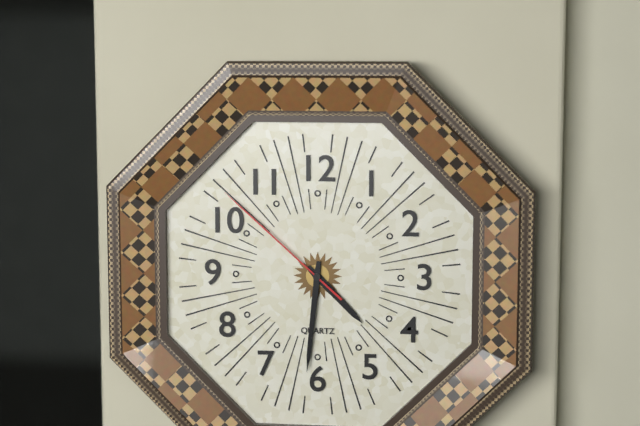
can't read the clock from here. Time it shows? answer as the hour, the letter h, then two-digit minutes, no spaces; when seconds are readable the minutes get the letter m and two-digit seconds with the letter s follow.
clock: 4h31m52s
